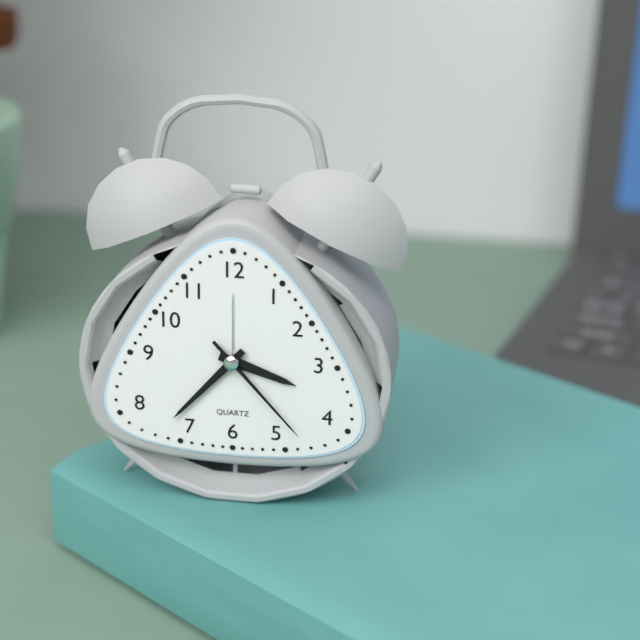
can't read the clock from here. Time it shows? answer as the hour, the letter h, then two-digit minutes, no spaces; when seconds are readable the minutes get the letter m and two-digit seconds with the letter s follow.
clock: 3h37m23s
